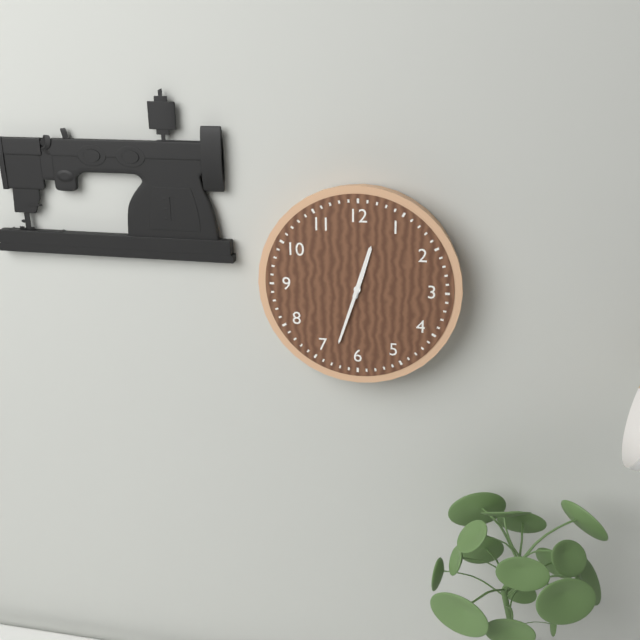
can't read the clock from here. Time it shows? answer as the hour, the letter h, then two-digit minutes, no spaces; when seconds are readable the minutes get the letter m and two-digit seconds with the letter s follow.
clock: 12h33
